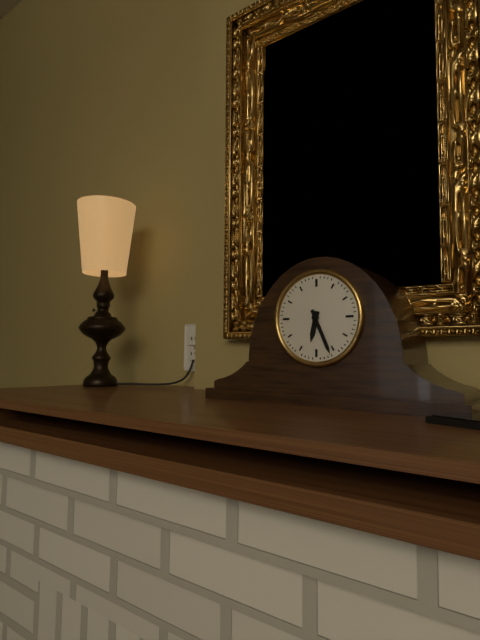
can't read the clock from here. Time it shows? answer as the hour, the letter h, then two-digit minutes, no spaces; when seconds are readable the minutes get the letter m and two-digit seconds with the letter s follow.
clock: 6h26
